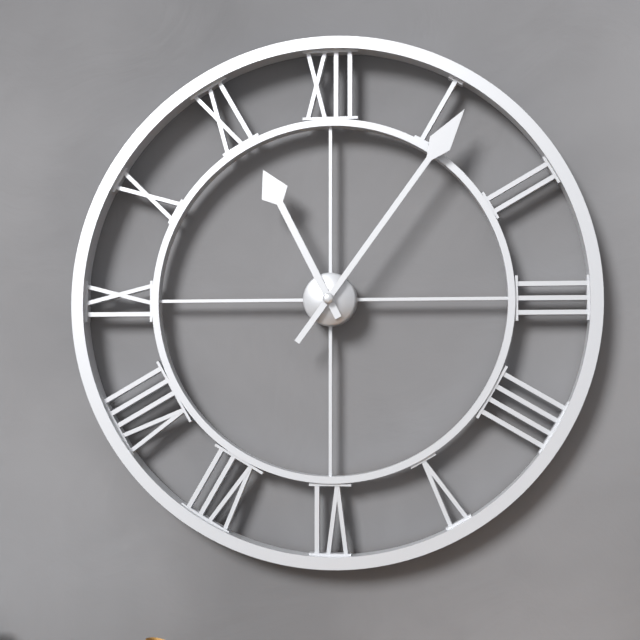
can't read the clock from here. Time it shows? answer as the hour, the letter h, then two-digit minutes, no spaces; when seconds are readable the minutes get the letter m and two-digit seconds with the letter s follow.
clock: 11h06
